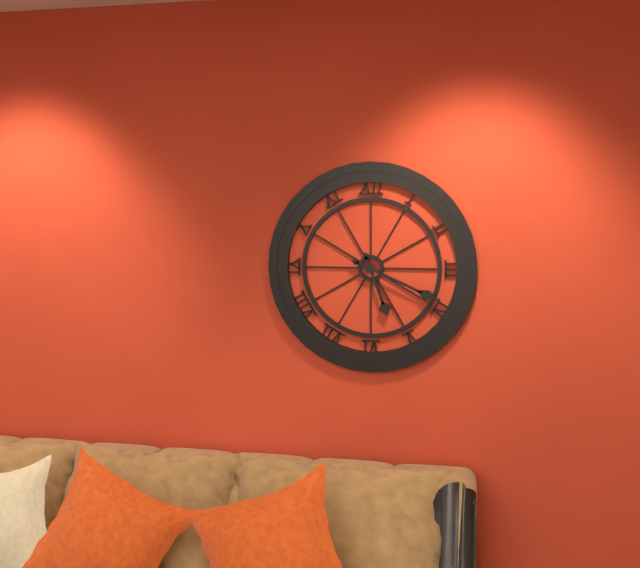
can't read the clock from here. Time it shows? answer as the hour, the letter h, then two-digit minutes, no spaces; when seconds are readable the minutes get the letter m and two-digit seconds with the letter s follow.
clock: 5h19
